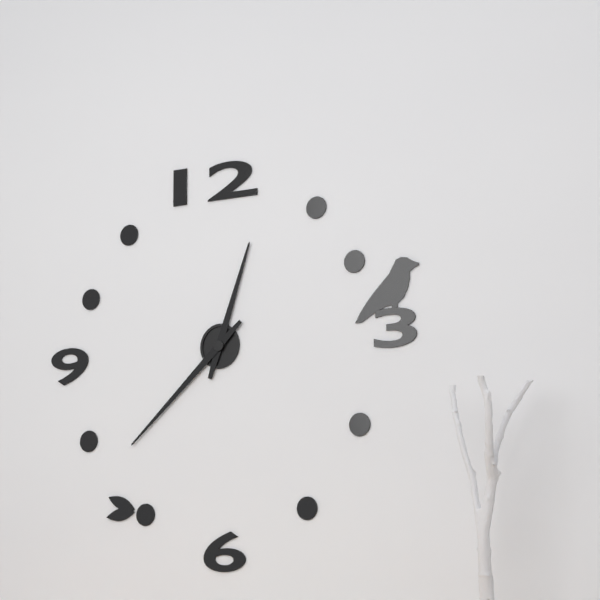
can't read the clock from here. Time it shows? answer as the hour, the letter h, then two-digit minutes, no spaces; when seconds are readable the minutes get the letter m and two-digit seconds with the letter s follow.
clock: 12h38
